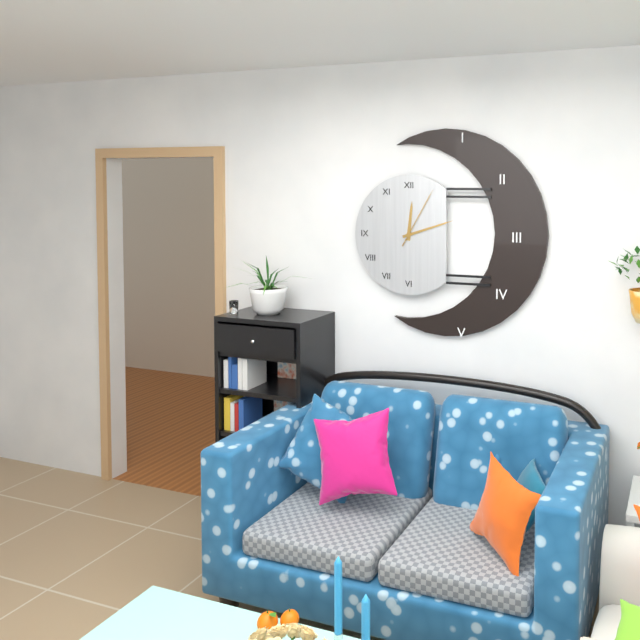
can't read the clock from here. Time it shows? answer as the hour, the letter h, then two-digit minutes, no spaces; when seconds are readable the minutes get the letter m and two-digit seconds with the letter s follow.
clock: 12h12m05s
